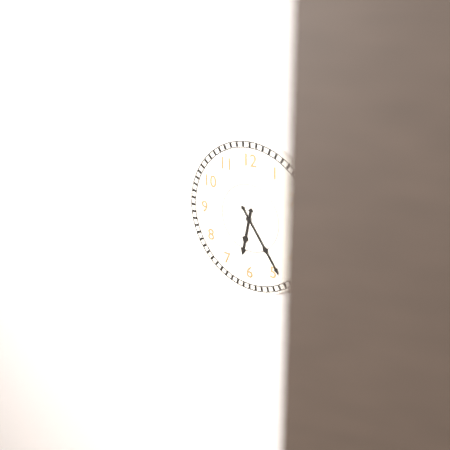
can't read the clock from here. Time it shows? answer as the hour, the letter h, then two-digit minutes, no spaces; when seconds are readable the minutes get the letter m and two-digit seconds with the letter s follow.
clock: 6h24
